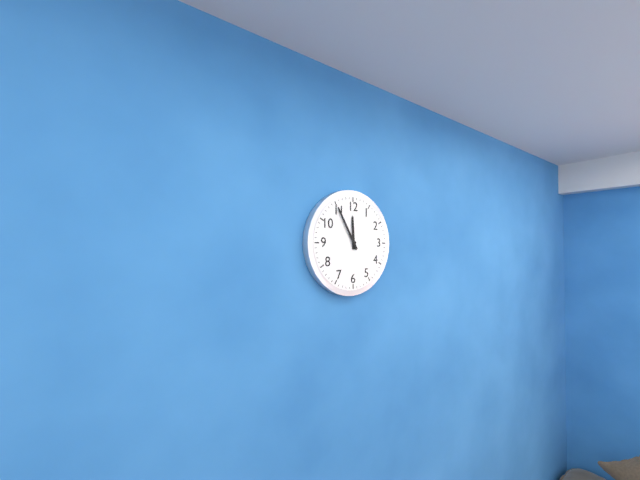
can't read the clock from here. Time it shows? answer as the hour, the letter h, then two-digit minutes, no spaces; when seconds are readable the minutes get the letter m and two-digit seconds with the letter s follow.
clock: 11h55
